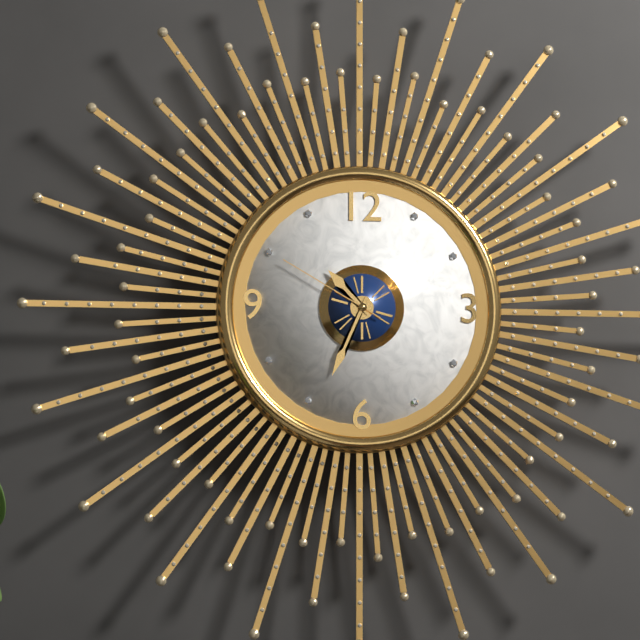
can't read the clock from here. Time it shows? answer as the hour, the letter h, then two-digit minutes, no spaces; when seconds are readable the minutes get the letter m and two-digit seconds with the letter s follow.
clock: 10h34m50s
